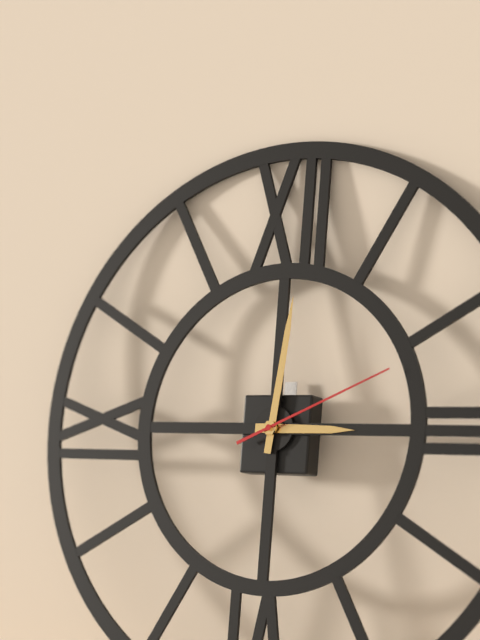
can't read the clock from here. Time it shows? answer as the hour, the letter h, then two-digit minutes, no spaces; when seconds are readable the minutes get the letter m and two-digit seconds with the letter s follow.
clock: 3h01m11s
